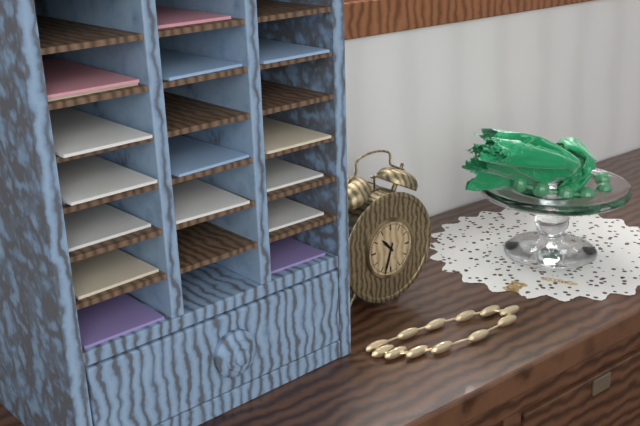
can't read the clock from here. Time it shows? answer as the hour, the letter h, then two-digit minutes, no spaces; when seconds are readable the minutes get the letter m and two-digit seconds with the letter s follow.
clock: 10h33
